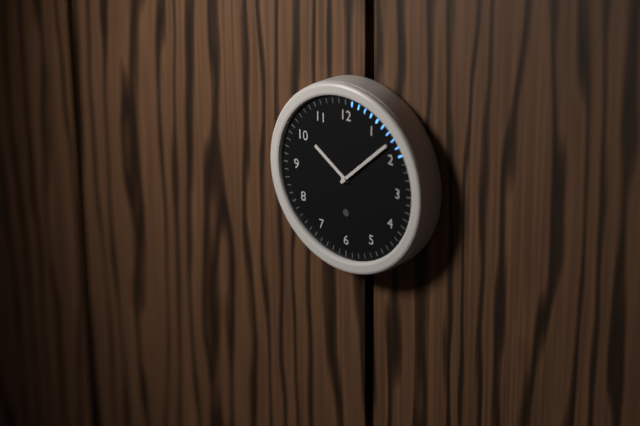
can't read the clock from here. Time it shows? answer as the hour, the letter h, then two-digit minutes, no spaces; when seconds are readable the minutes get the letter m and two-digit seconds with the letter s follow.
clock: 10h08
